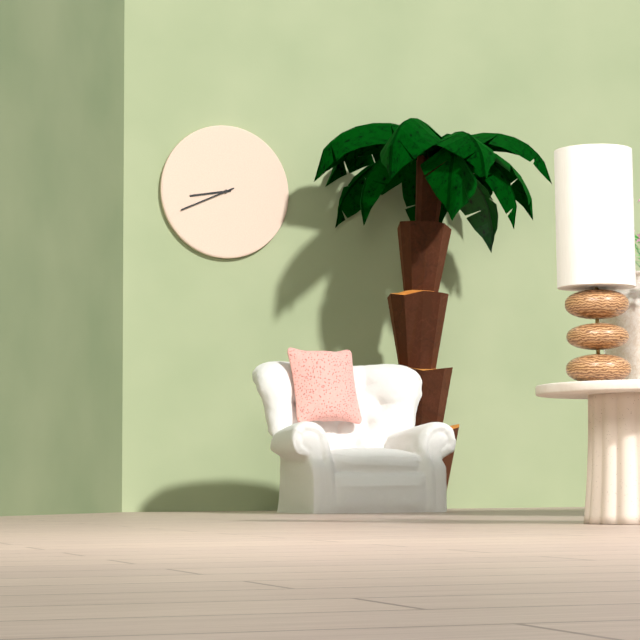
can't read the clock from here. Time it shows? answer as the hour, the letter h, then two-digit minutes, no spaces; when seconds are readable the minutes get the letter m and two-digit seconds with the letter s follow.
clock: 8h41
